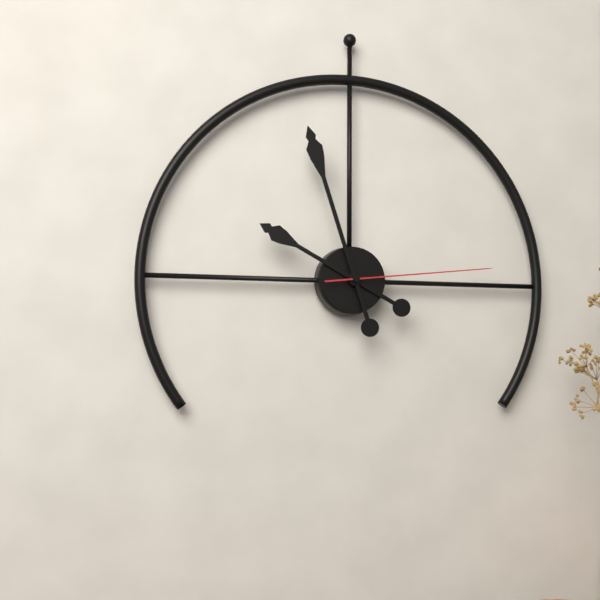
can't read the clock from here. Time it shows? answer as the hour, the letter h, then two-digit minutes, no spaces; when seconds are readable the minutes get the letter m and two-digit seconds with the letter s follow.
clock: 9h57m14s
